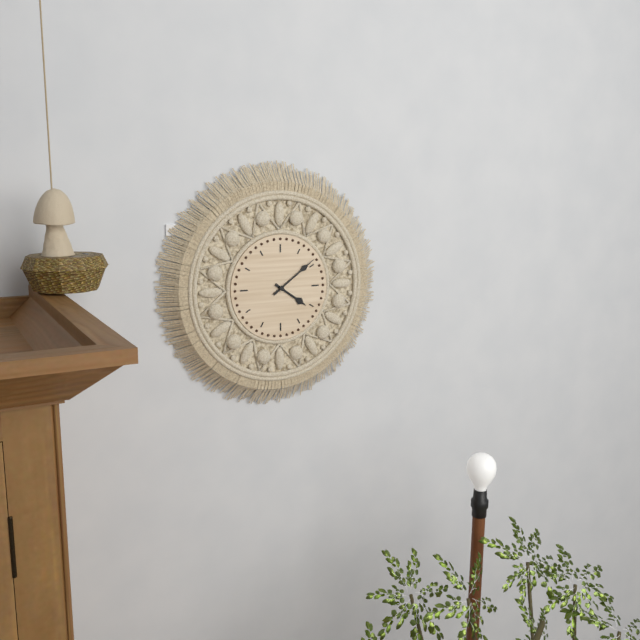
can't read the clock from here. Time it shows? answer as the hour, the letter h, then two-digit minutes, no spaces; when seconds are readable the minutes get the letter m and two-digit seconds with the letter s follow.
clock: 4h09
